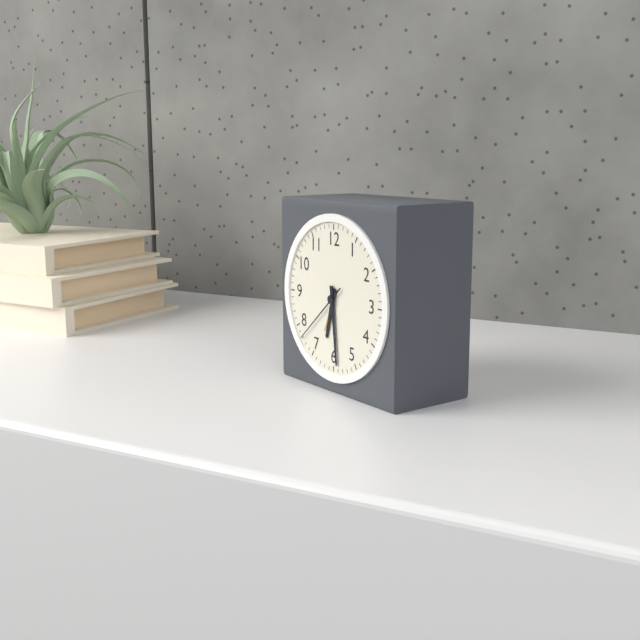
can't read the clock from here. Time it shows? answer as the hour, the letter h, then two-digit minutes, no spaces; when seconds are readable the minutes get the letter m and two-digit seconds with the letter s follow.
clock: 6h29m38s
